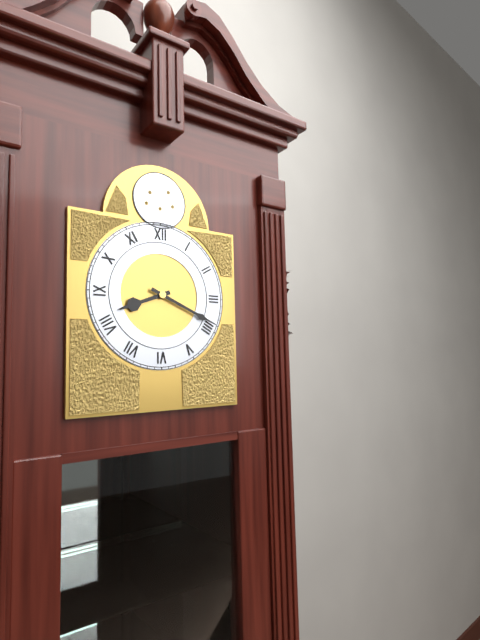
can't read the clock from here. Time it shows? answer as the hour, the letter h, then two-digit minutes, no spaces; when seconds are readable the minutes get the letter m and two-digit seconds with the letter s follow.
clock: 8h19
